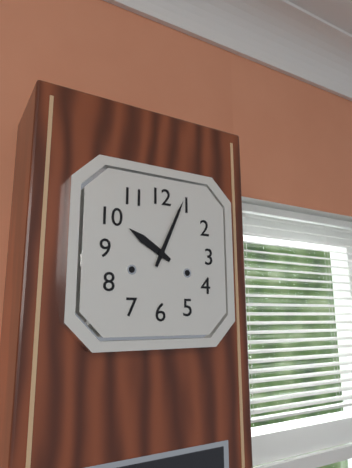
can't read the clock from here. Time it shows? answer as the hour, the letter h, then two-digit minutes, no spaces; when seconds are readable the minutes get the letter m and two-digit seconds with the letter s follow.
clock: 10h04
